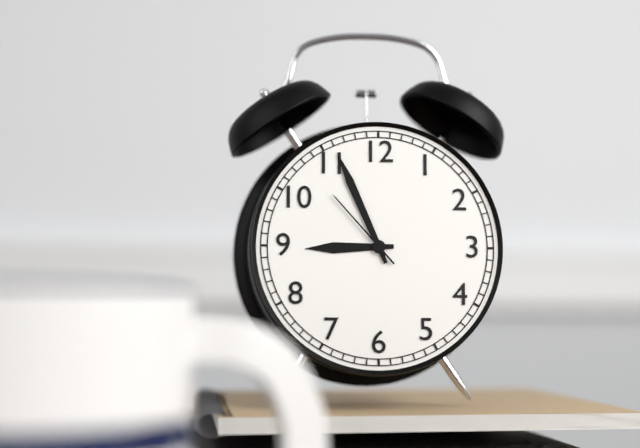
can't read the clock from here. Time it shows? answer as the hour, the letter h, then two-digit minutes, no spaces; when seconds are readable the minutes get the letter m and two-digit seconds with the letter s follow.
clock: 8h56m53s
